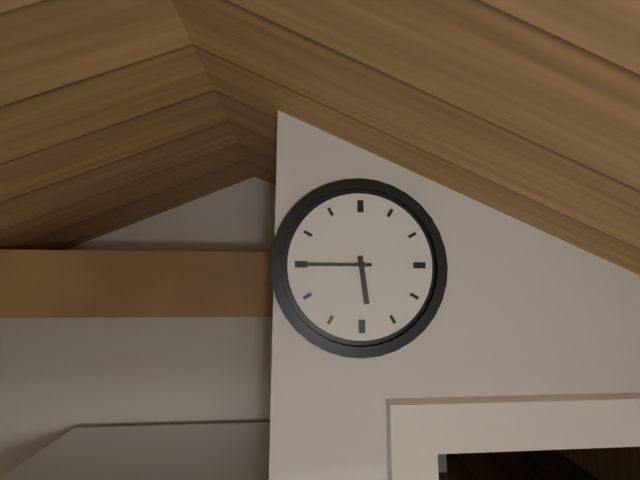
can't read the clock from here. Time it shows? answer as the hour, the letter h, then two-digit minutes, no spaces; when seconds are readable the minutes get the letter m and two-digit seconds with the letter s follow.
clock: 5h45
